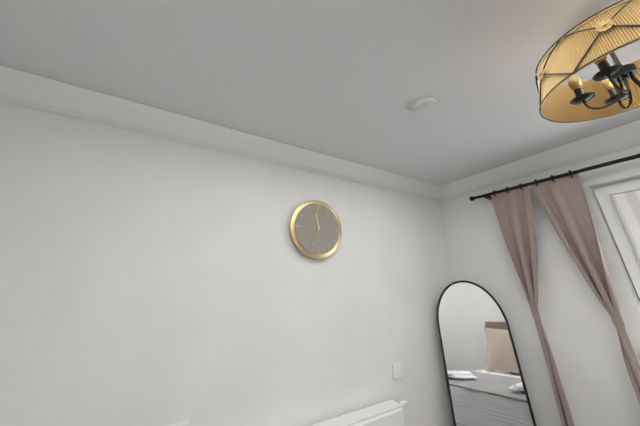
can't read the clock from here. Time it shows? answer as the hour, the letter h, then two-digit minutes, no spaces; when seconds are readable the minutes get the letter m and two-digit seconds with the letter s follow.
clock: 11h34
